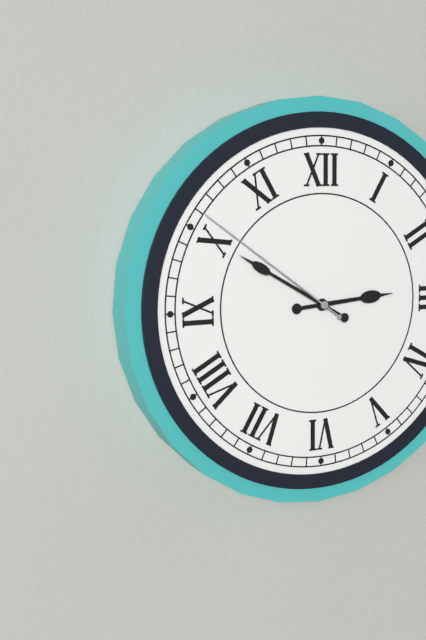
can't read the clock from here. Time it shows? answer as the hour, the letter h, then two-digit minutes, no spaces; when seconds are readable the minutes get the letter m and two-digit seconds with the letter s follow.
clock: 2h50m51s
